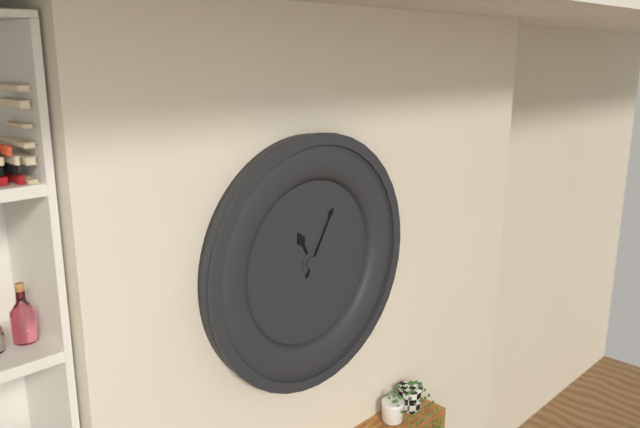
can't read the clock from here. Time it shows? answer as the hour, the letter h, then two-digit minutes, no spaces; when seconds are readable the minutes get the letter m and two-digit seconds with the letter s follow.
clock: 11h05
